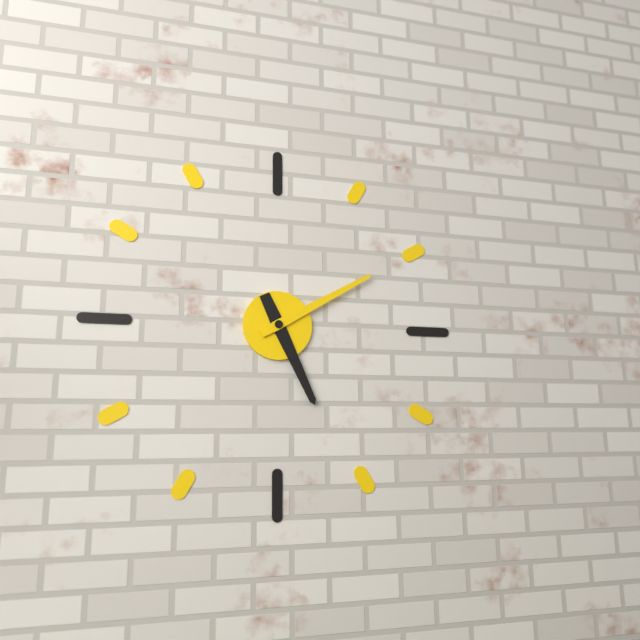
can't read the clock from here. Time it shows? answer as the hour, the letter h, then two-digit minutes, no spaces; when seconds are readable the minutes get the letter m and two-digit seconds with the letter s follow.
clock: 5h10
